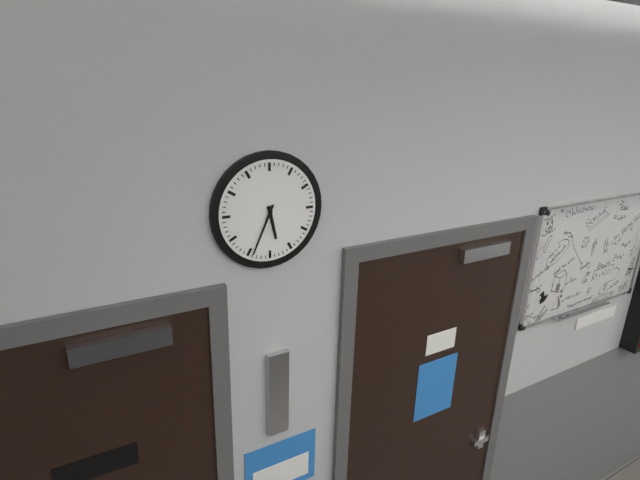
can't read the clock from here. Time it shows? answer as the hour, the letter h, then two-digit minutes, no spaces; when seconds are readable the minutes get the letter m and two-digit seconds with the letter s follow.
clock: 5h34
